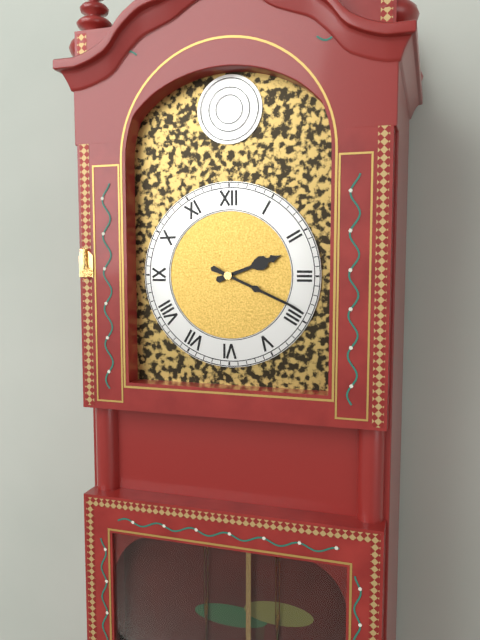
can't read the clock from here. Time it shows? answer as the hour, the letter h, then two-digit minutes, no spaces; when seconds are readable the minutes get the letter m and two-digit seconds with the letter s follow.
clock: 2h19
